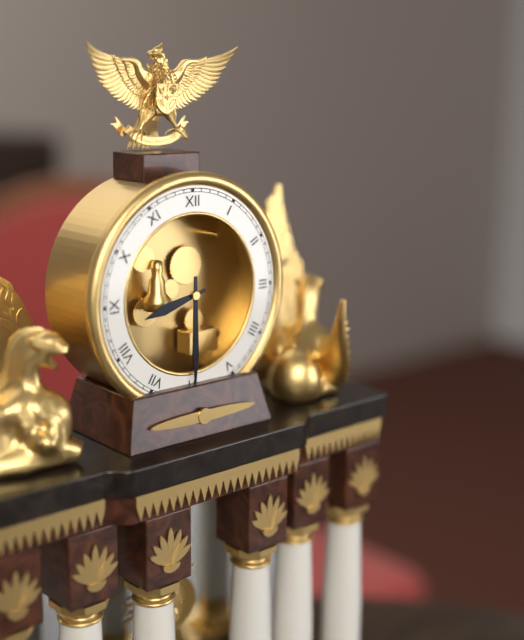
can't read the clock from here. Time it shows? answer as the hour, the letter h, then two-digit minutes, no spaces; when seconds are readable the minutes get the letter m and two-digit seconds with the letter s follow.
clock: 8h30
